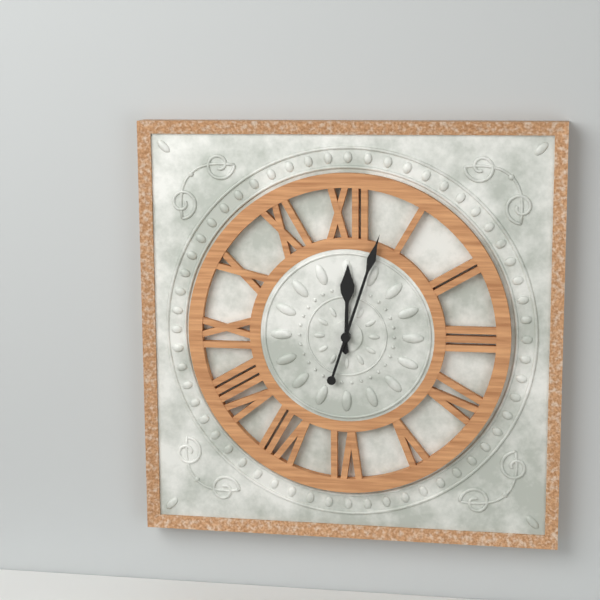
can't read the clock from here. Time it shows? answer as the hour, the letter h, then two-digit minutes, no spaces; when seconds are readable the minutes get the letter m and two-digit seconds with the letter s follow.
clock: 12h03
